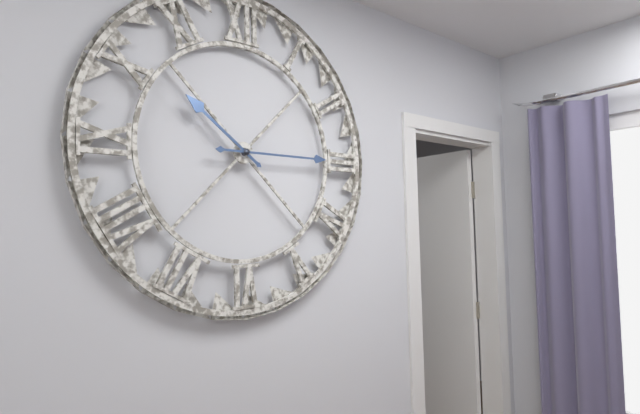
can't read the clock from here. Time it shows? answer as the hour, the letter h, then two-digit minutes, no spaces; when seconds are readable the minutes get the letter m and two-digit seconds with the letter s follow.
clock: 10h15
